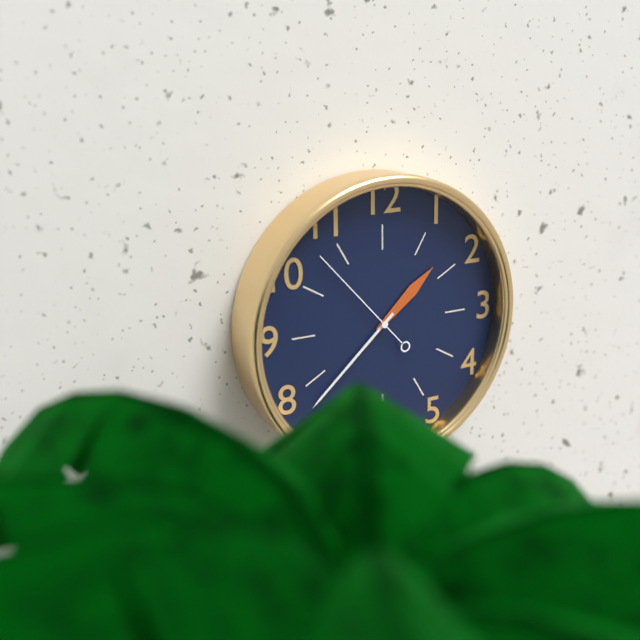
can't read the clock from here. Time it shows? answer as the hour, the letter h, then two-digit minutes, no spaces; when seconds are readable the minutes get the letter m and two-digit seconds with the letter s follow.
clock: 1h38m53s
